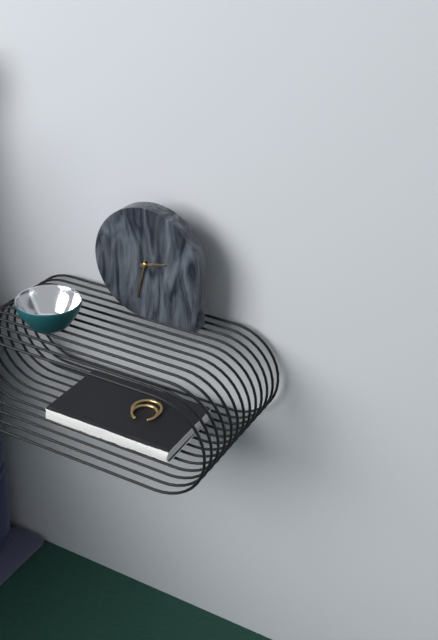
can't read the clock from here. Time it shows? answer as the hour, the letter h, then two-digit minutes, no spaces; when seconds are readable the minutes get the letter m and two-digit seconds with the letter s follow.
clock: 2h32
